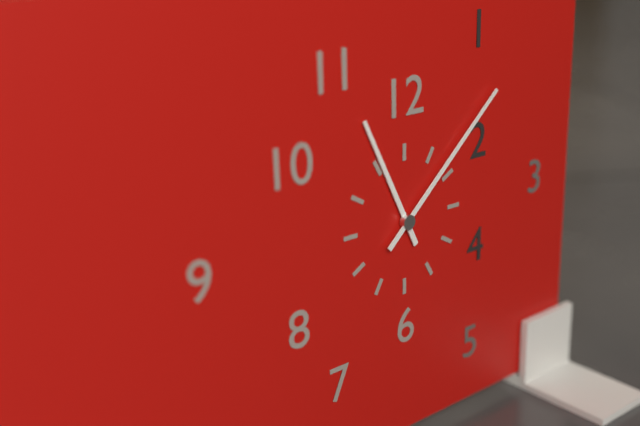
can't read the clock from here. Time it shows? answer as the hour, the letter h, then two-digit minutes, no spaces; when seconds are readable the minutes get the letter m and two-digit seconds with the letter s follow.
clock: 11h08
